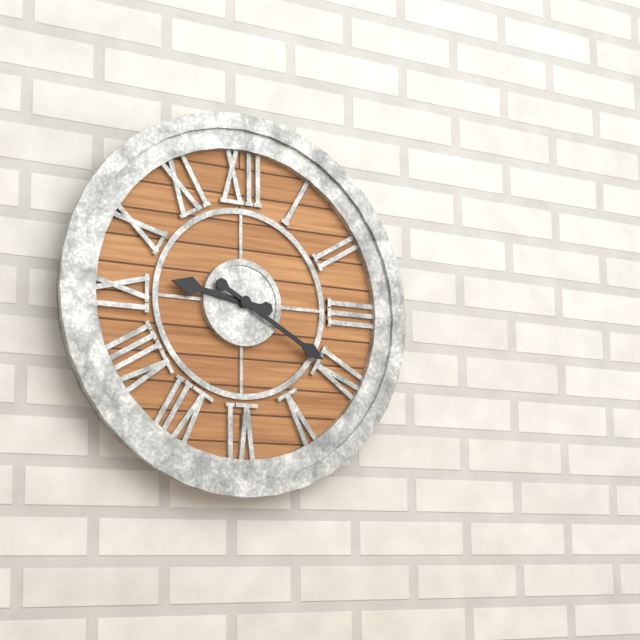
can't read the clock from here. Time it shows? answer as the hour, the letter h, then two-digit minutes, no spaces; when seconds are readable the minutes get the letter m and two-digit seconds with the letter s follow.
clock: 9h20
